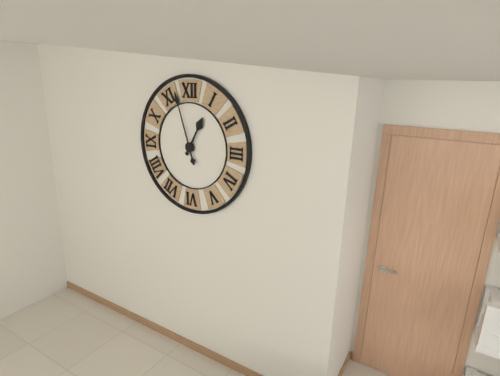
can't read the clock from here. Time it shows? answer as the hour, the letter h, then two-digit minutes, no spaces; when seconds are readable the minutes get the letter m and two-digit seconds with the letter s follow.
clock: 12h57
